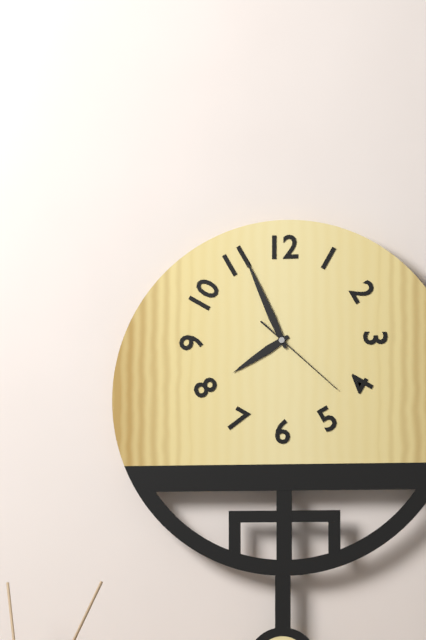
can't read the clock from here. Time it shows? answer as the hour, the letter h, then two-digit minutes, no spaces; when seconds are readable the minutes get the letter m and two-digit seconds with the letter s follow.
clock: 7h56m22s
